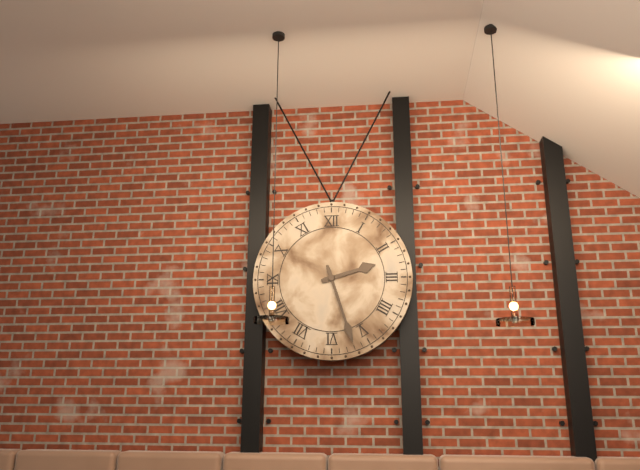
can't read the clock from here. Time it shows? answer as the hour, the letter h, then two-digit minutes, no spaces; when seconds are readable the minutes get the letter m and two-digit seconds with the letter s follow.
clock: 2h27
